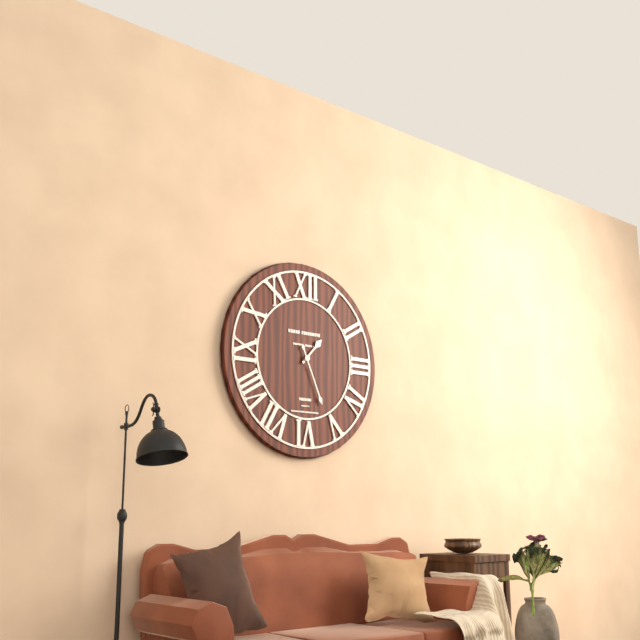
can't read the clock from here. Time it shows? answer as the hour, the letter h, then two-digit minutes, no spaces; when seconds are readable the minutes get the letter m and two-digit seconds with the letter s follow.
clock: 1h26
